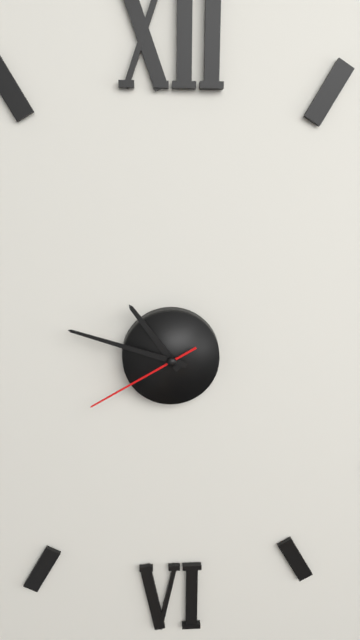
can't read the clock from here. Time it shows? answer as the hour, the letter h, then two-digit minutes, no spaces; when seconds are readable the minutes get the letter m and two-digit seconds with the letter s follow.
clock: 10h48m40s
